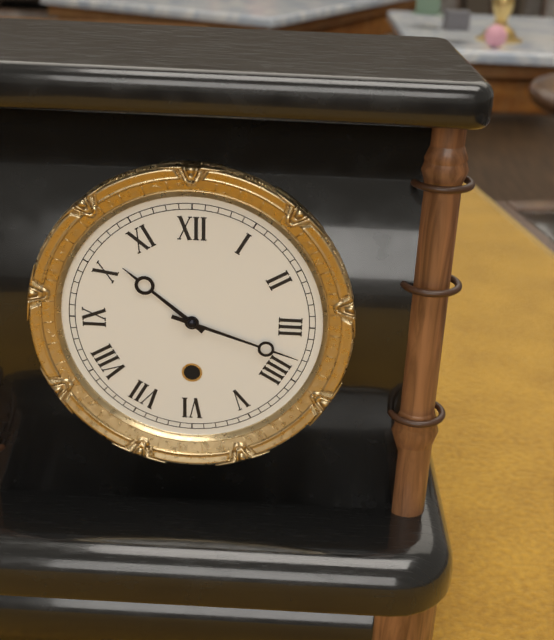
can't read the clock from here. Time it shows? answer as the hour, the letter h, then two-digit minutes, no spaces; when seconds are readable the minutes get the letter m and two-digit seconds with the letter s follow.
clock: 10h18
